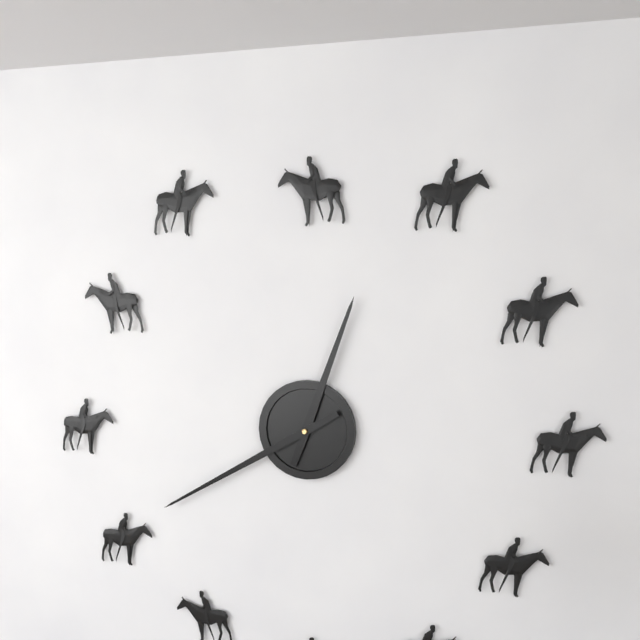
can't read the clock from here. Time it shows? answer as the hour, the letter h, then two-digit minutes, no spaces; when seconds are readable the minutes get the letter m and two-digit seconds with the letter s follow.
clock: 12h40
